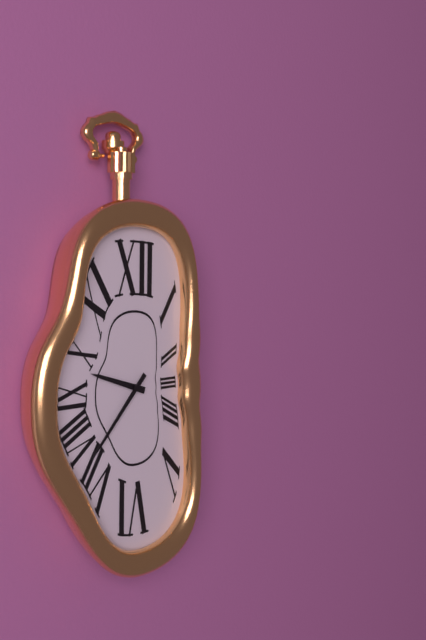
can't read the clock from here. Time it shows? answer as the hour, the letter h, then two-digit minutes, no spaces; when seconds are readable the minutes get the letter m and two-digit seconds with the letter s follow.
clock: 9h37
